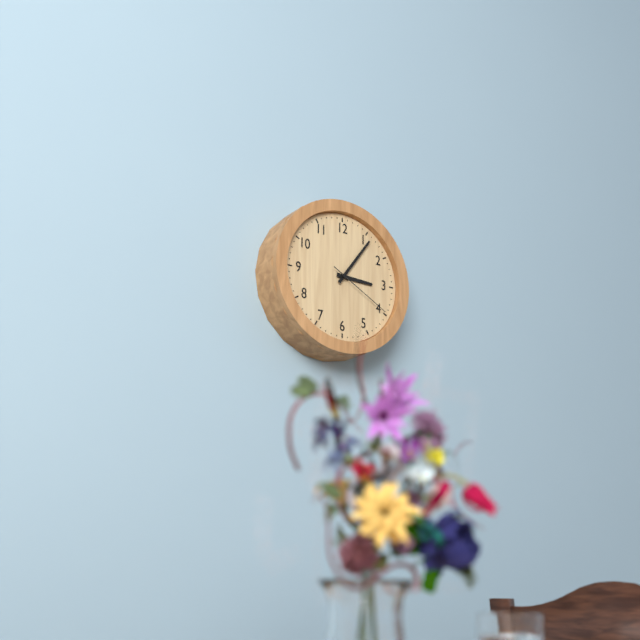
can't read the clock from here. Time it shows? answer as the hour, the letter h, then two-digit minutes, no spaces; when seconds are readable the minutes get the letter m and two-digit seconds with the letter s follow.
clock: 3h06m20s
